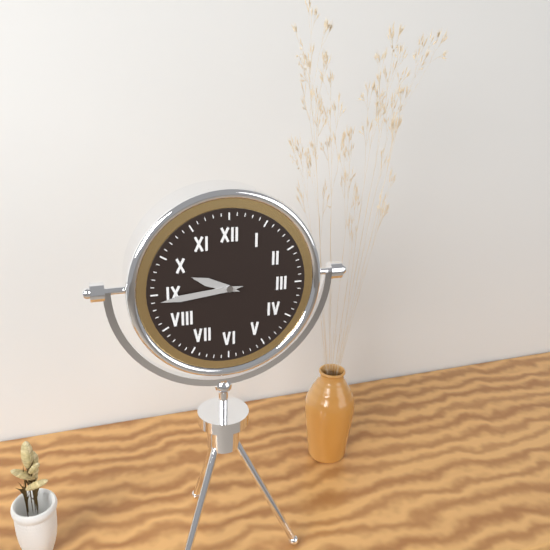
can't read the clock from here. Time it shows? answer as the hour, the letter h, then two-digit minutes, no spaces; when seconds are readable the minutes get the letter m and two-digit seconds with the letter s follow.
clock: 9h44
